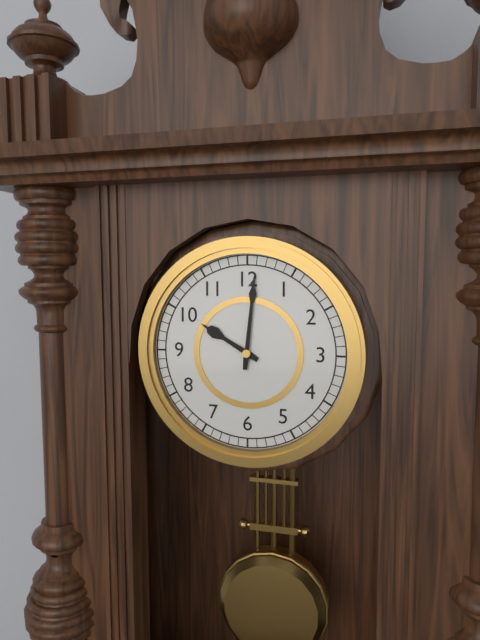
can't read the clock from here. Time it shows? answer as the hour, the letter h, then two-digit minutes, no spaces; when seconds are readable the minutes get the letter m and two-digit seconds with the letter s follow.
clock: 10h01
